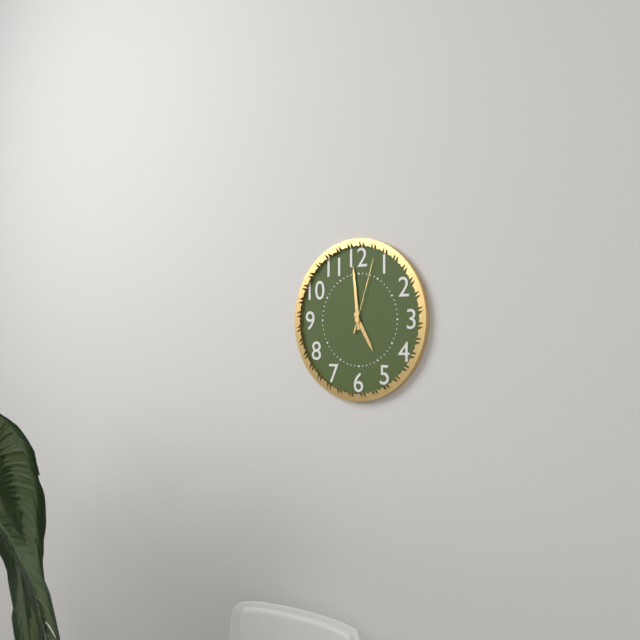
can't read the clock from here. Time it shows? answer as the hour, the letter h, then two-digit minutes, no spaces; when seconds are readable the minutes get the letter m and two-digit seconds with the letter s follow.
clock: 4h59m03s
